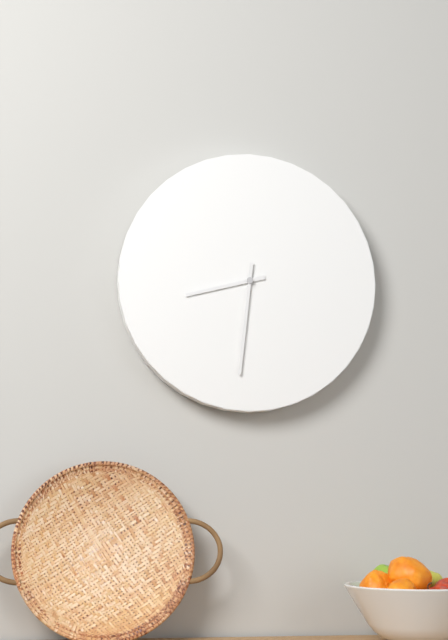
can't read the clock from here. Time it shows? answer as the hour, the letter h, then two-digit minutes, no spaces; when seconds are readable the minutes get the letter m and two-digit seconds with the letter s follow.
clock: 8h31
